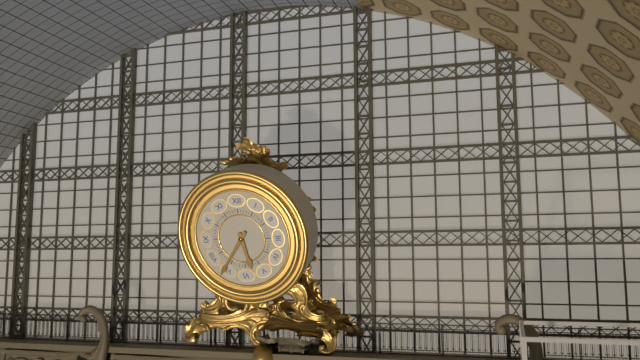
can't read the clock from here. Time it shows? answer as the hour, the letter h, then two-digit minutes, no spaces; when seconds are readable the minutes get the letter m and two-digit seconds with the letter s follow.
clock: 5h36
